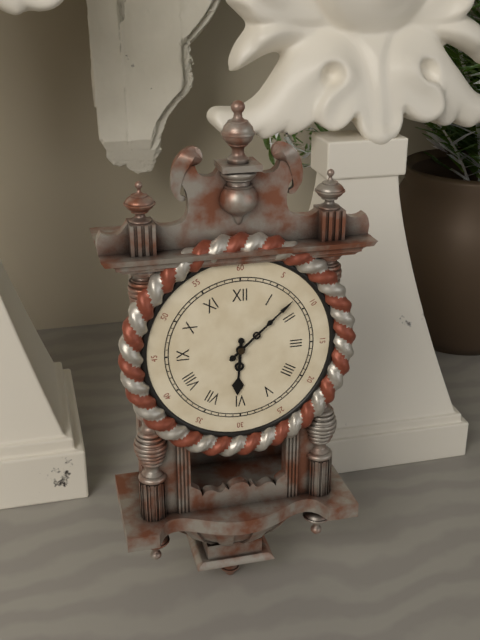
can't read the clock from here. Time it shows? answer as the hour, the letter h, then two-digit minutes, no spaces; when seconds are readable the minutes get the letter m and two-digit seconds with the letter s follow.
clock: 6h08
